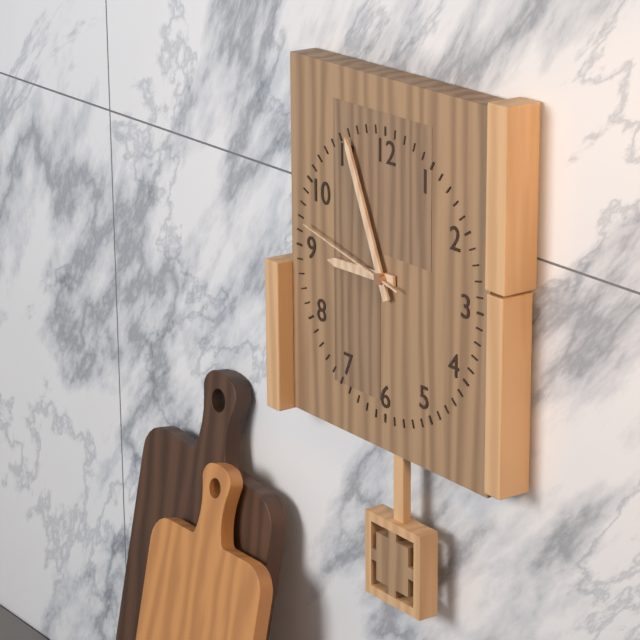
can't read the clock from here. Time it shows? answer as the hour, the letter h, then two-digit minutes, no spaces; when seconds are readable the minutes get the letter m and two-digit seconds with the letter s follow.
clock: 8h56m47s
